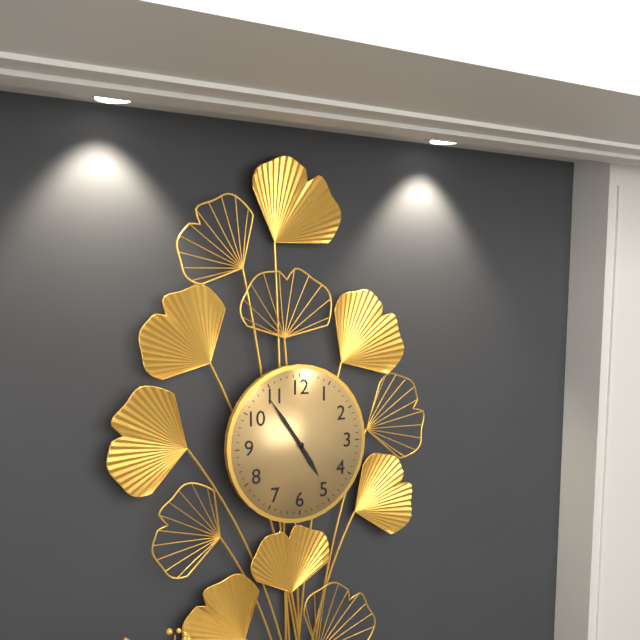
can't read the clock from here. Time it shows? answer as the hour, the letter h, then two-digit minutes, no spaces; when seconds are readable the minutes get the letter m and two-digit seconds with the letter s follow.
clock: 4h54
